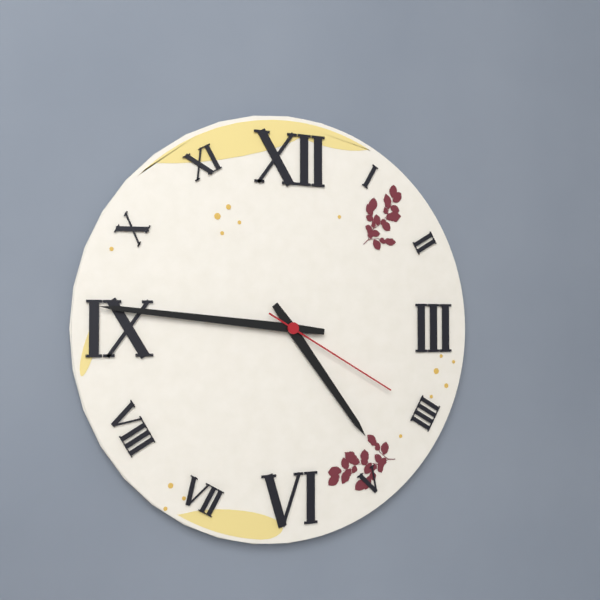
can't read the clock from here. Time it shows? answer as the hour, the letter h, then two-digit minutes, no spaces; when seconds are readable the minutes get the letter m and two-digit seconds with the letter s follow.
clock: 4h46m20s
